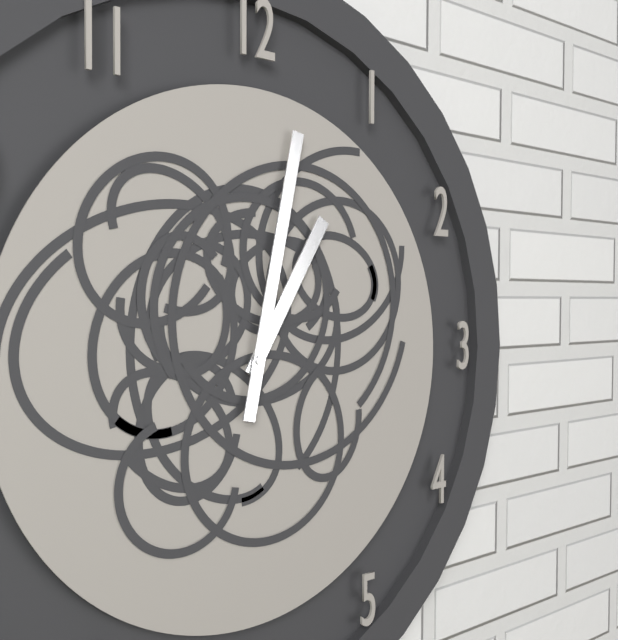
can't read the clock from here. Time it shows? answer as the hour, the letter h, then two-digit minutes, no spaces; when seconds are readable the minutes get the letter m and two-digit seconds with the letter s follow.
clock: 1h02
